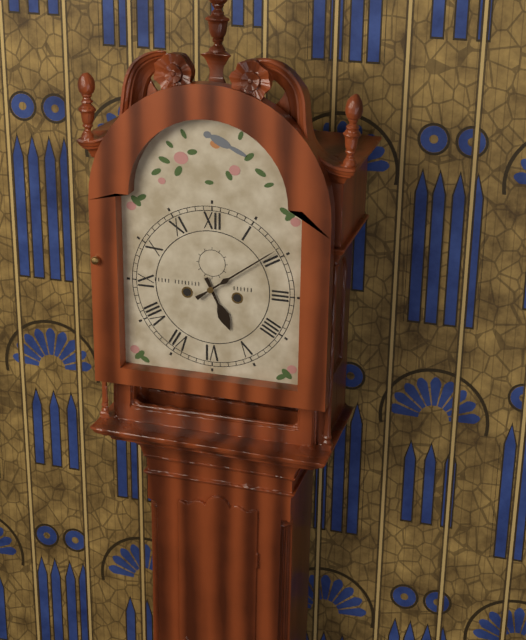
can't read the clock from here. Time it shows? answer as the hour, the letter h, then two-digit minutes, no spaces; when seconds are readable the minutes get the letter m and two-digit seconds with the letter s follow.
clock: 5h09
